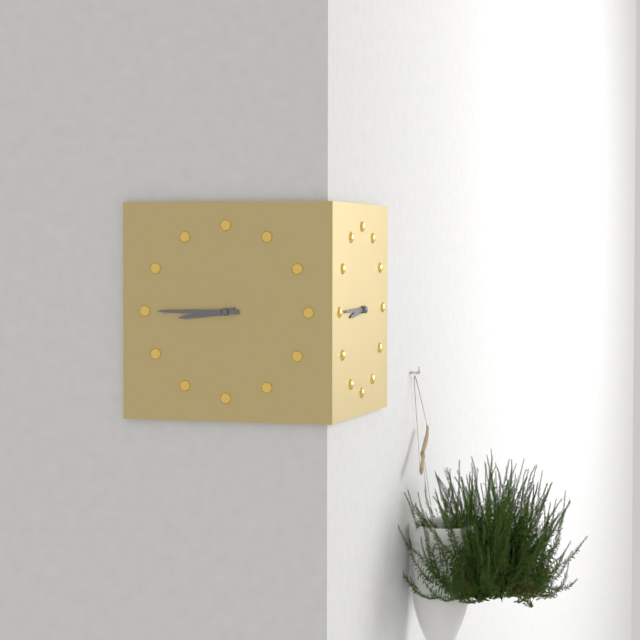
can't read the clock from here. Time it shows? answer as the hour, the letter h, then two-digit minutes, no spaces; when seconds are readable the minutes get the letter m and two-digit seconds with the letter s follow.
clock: 8h45
